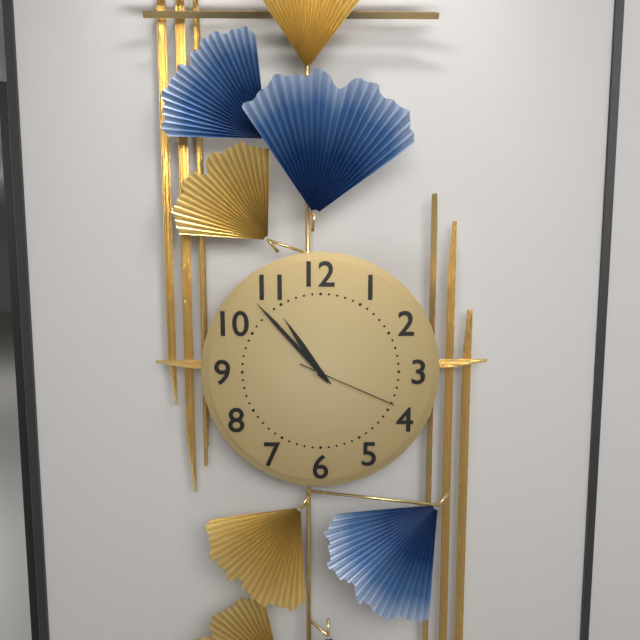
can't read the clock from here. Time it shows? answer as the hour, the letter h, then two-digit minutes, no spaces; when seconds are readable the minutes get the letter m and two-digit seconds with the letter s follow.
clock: 10h53m19s
